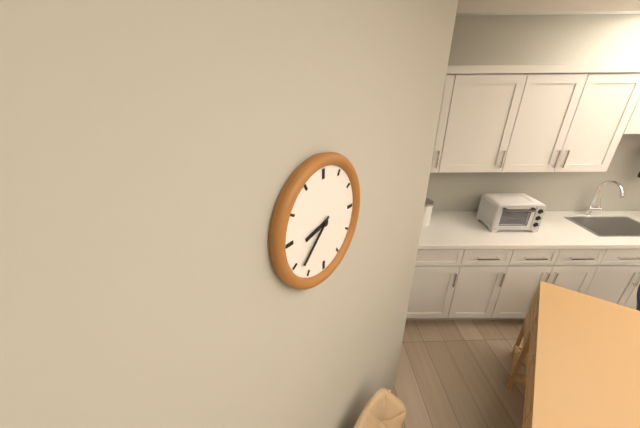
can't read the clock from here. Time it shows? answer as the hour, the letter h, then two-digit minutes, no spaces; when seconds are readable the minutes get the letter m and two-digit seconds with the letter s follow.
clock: 8h38
